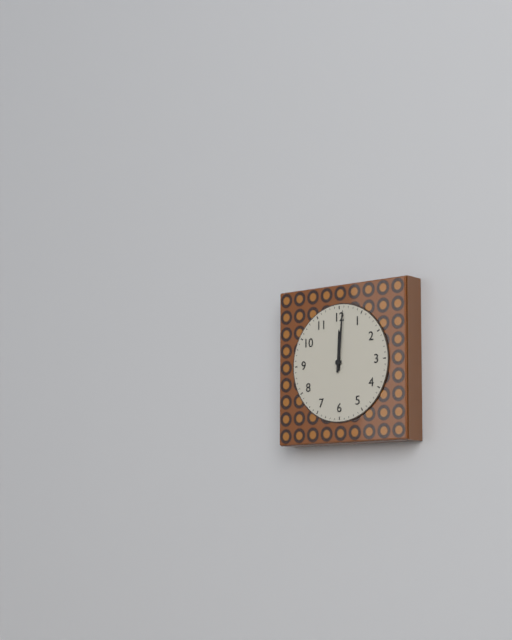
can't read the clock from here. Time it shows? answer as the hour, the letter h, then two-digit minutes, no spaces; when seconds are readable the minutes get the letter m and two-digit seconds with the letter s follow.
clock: 12h01
